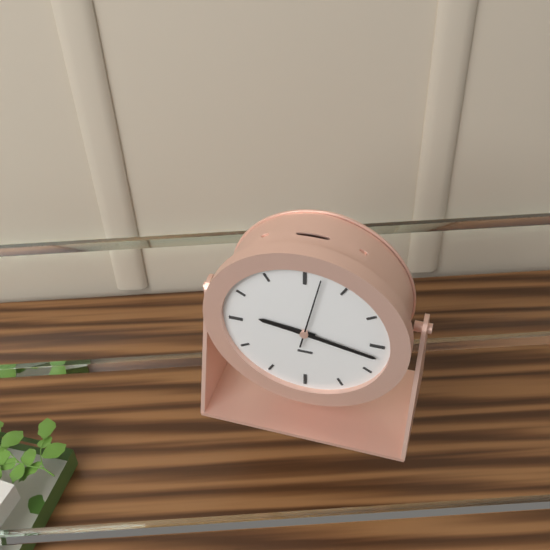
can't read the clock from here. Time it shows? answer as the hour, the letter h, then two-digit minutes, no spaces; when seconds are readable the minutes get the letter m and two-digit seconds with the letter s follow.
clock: 9h17m02s
